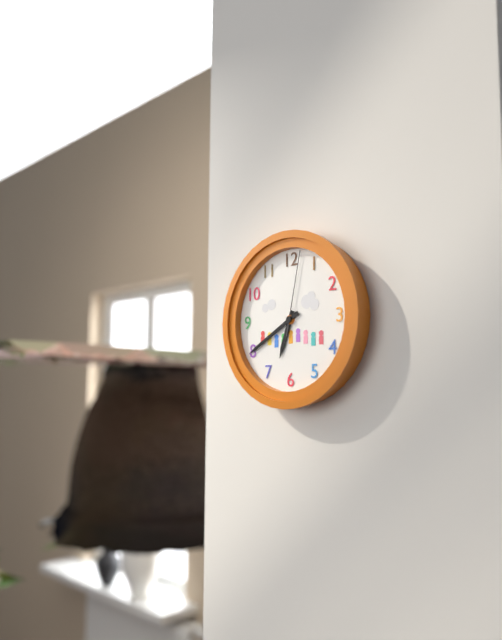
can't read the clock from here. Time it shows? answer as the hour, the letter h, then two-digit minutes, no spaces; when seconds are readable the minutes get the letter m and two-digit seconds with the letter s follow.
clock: 6h40m02s
